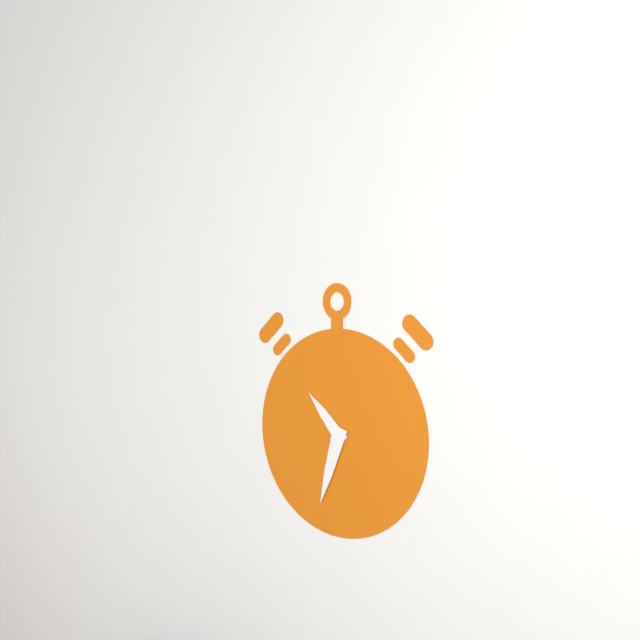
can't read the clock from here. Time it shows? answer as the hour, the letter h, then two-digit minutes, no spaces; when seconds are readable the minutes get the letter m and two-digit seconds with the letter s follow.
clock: 10h33
